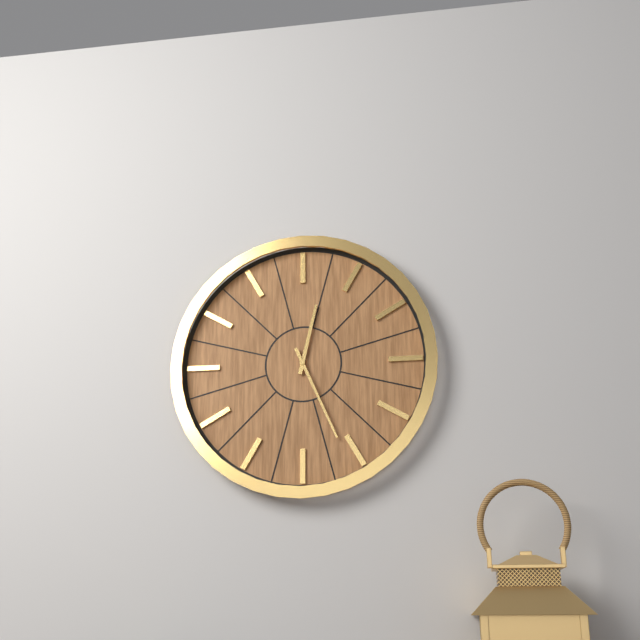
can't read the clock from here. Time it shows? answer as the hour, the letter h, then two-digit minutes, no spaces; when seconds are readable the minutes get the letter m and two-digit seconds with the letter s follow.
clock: 12h26
